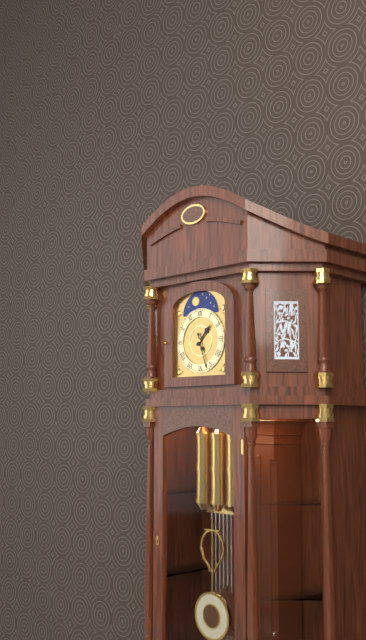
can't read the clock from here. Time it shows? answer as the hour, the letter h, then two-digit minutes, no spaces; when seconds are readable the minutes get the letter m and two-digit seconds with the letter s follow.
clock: 1h27
